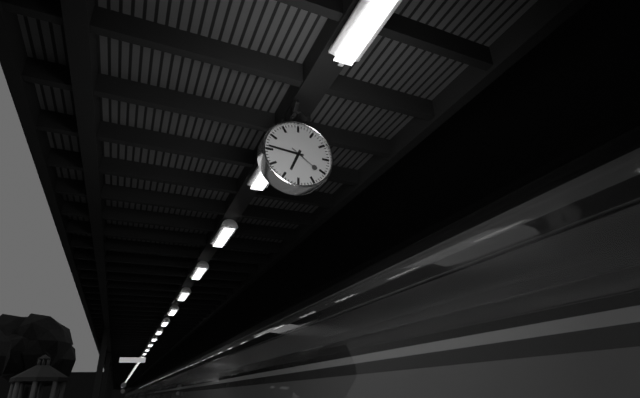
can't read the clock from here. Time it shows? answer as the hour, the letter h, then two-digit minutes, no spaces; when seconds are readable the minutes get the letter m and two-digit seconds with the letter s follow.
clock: 6h46
